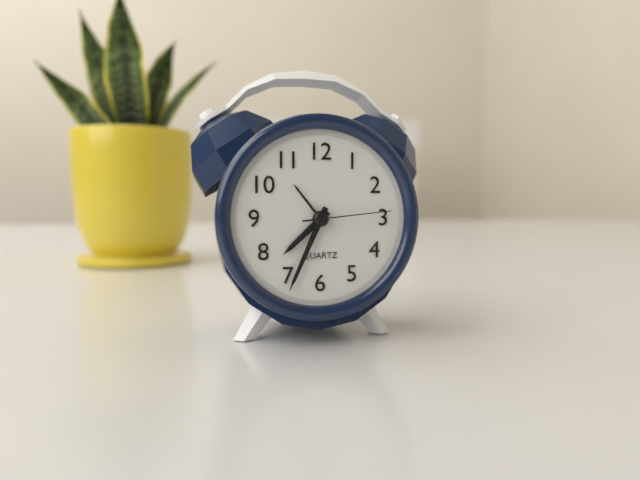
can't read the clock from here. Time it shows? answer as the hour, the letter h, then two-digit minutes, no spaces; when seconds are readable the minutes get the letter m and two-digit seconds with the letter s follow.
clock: 7h34m14s
